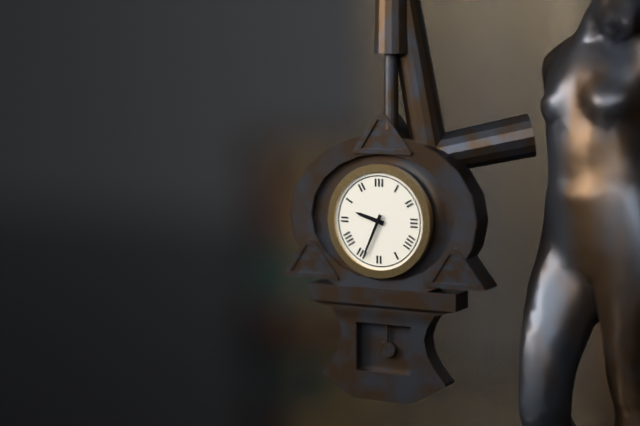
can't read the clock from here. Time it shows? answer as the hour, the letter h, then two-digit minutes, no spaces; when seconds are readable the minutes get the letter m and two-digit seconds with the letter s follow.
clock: 9h34
